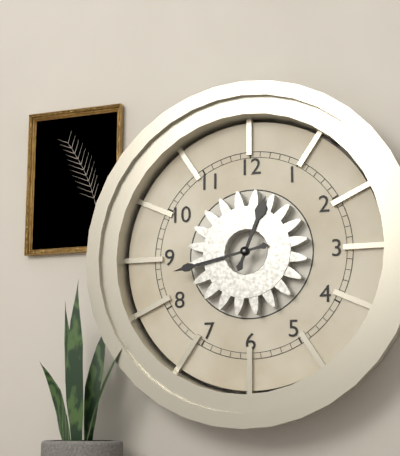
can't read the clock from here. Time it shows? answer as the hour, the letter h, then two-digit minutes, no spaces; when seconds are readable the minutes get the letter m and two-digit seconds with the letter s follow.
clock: 12h43
